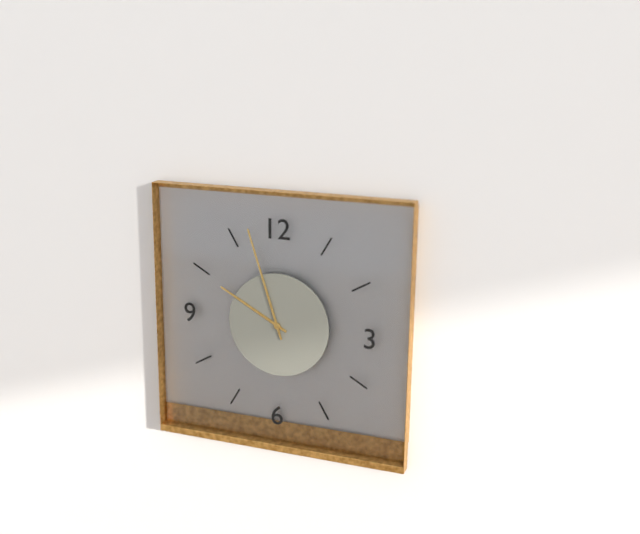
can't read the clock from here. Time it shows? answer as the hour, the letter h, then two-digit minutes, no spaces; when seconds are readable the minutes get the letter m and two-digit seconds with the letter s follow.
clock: 9h57
